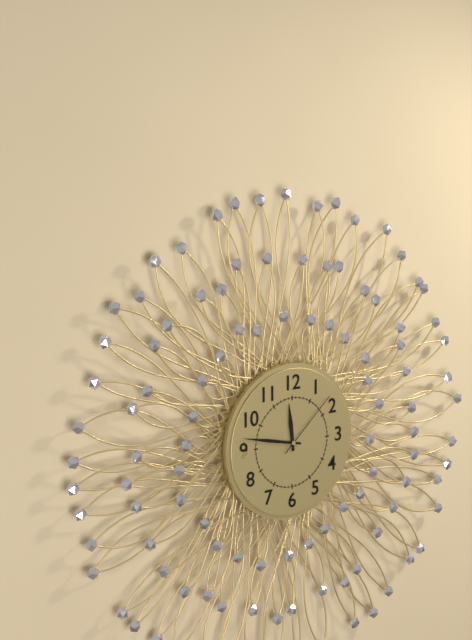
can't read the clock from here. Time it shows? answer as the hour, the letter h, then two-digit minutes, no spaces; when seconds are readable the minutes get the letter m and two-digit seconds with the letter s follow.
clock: 11h47m08s
